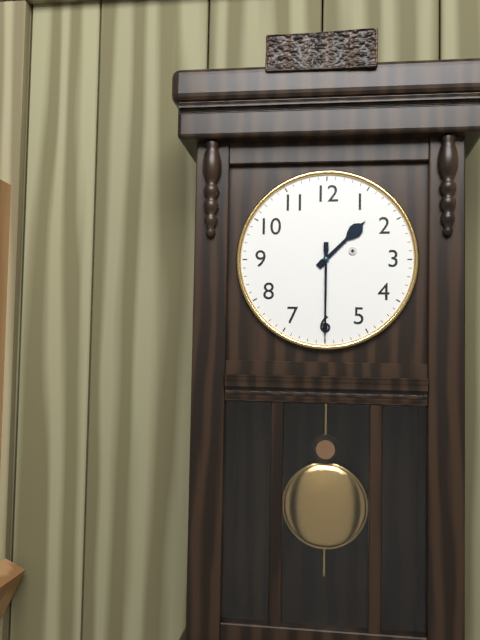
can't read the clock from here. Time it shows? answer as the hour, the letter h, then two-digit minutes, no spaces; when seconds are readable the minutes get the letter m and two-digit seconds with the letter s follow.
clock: 1h30
